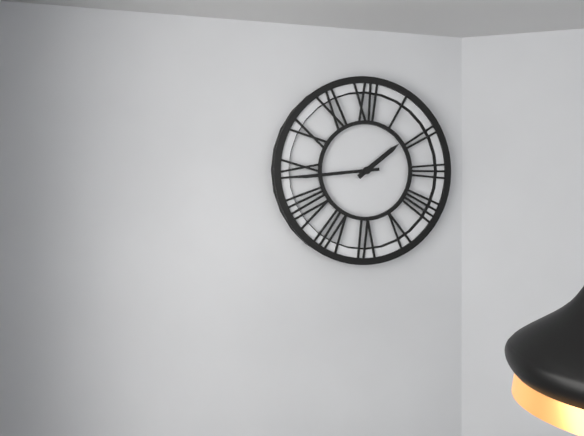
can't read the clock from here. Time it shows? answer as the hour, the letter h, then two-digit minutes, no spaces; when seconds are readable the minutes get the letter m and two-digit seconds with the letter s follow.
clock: 1h44
